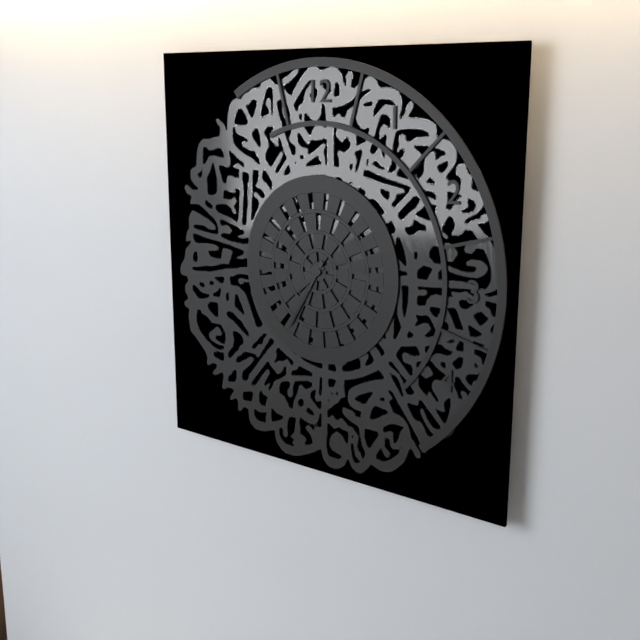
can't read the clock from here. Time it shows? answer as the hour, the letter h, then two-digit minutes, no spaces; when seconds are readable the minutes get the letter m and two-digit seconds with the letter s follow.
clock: 7h35
